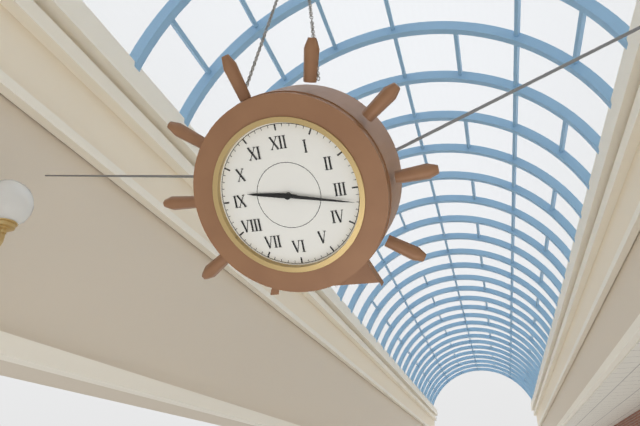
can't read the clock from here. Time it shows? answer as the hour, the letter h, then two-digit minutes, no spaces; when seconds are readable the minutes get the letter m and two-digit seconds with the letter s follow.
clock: 9h17
